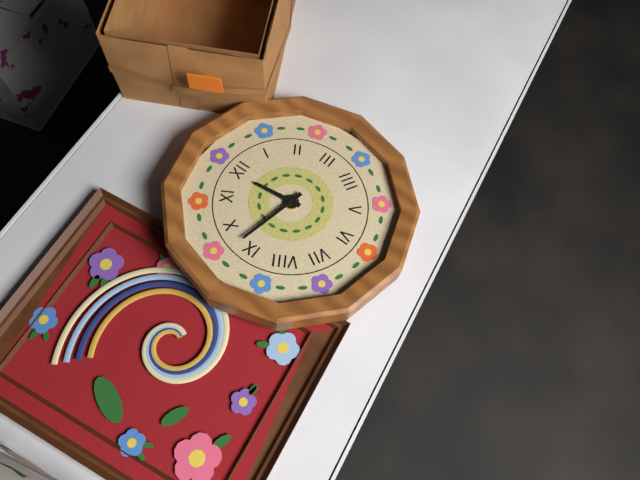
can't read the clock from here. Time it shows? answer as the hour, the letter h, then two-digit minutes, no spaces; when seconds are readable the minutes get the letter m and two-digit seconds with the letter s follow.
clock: 11h47
